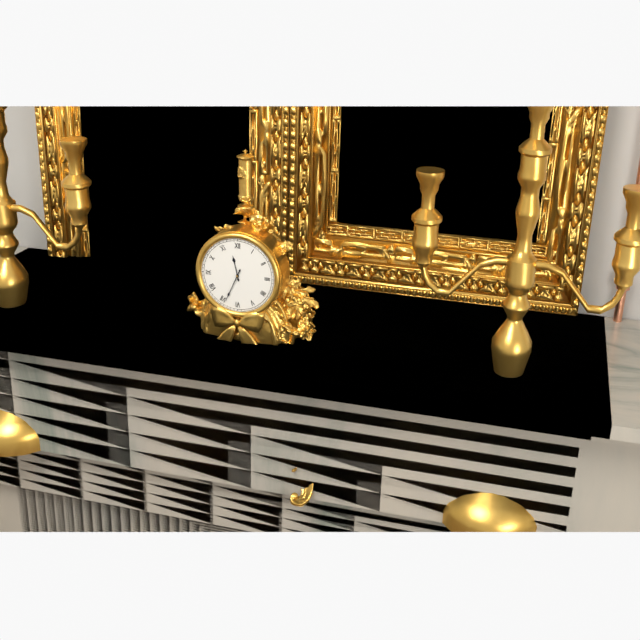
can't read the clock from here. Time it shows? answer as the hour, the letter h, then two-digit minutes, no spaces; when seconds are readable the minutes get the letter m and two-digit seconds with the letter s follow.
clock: 11h34
